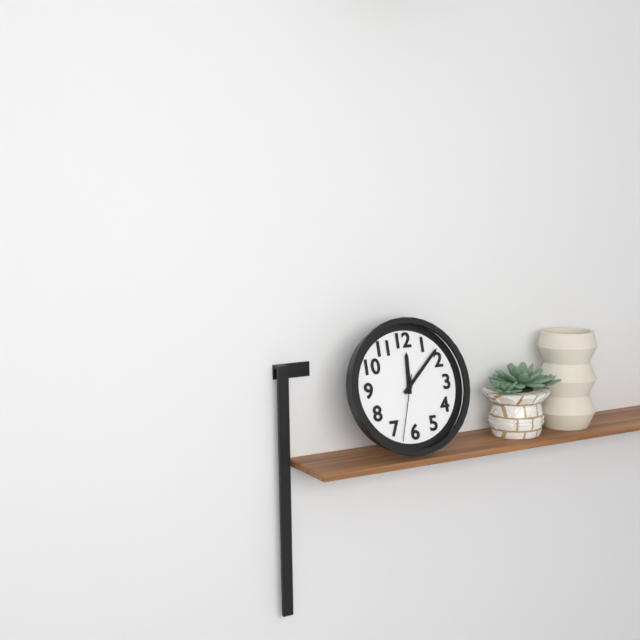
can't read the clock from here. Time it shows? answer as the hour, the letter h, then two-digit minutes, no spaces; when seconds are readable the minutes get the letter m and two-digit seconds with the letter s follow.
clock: 12h08m33s
